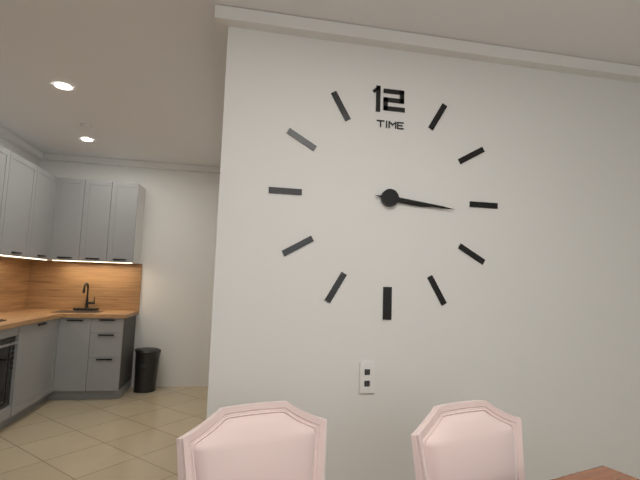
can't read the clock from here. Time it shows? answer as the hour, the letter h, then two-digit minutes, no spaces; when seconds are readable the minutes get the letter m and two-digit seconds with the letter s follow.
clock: 3h16
